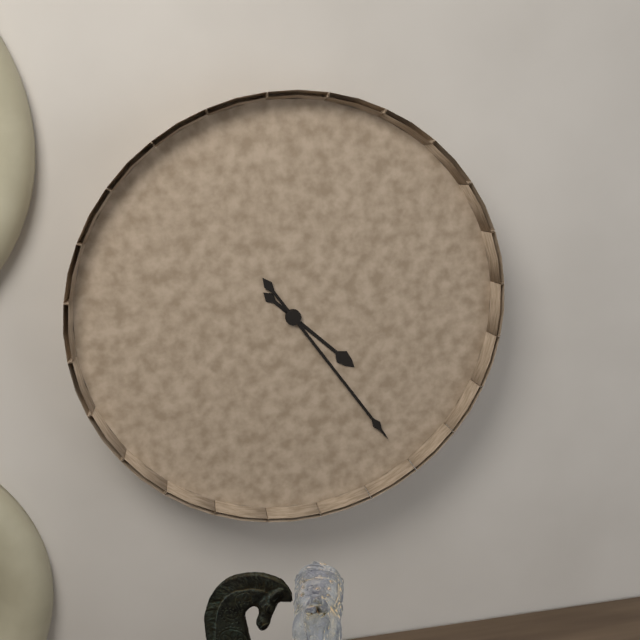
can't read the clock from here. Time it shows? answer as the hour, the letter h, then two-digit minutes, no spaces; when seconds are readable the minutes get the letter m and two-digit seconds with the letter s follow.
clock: 4h24
